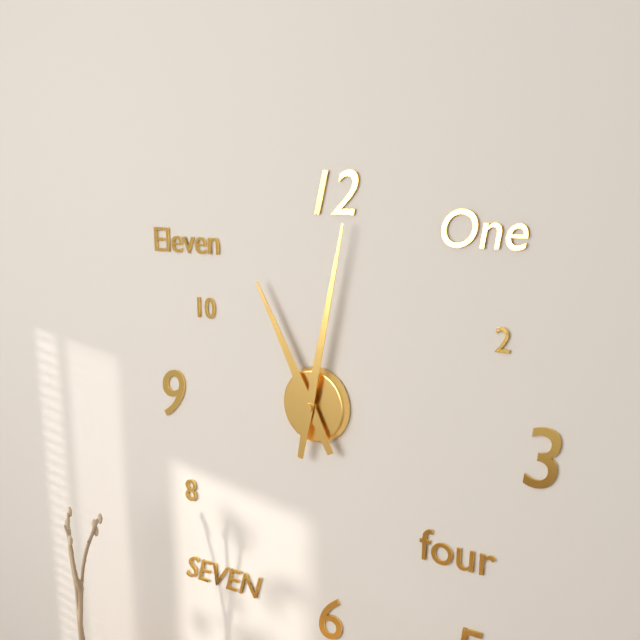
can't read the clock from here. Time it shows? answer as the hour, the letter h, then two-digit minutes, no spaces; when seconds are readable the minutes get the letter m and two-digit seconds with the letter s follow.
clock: 11h02
